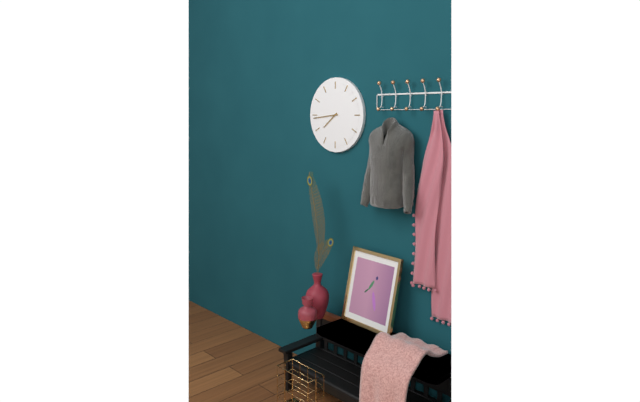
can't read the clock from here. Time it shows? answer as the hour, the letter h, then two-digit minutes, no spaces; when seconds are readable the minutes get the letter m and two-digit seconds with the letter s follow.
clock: 7h44
